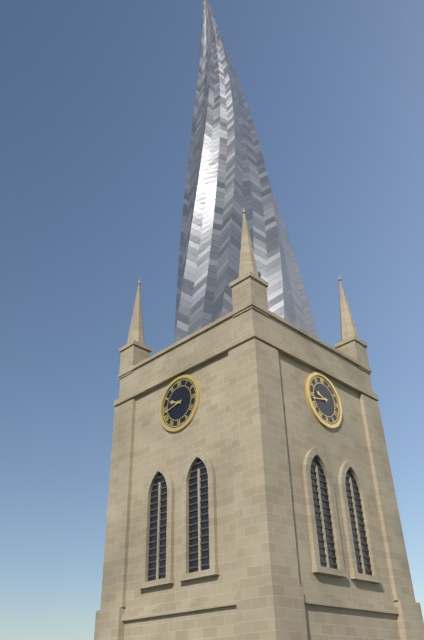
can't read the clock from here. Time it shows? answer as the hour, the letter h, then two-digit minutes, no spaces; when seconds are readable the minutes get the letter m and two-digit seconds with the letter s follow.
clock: 9h43
